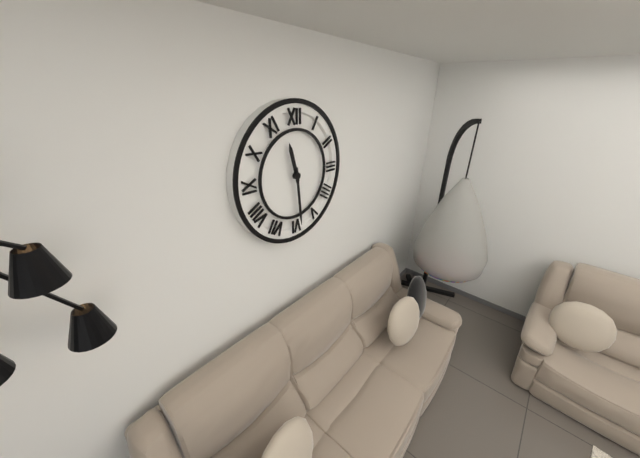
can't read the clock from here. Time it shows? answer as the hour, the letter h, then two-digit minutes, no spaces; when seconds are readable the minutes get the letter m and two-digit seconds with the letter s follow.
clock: 11h29
